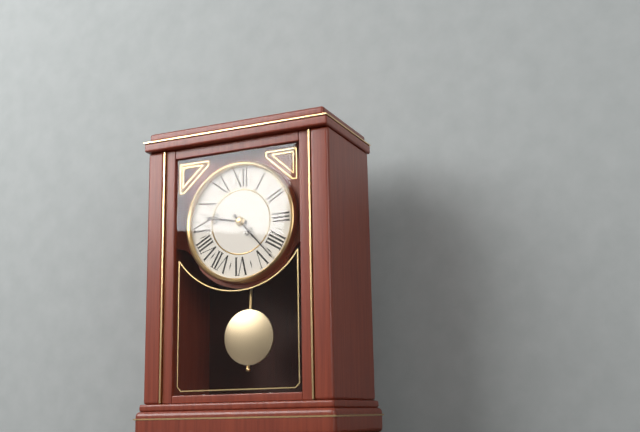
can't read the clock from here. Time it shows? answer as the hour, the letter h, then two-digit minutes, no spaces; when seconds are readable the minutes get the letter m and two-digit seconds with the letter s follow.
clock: 9h23
